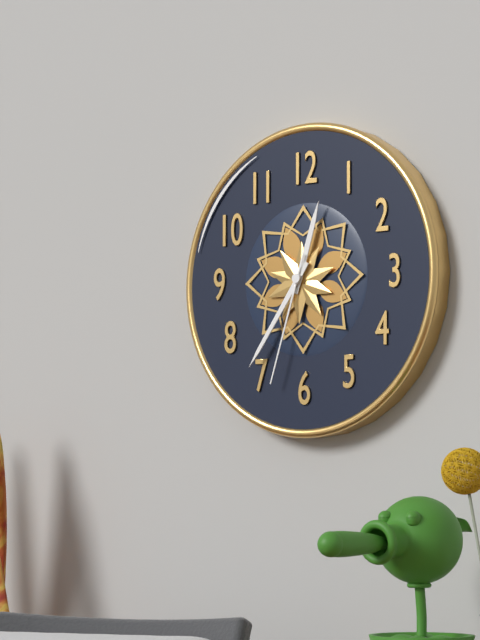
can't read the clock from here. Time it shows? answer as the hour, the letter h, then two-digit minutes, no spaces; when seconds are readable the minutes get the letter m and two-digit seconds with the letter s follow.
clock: 12h36m33s
